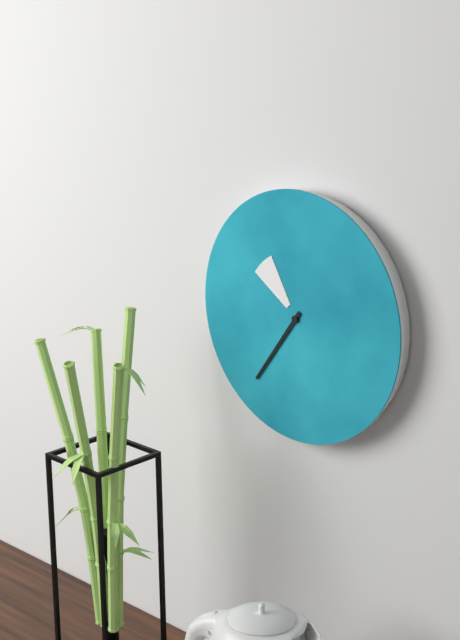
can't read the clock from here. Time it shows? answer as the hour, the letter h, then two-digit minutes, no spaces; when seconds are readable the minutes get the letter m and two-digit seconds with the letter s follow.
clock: 10h36
